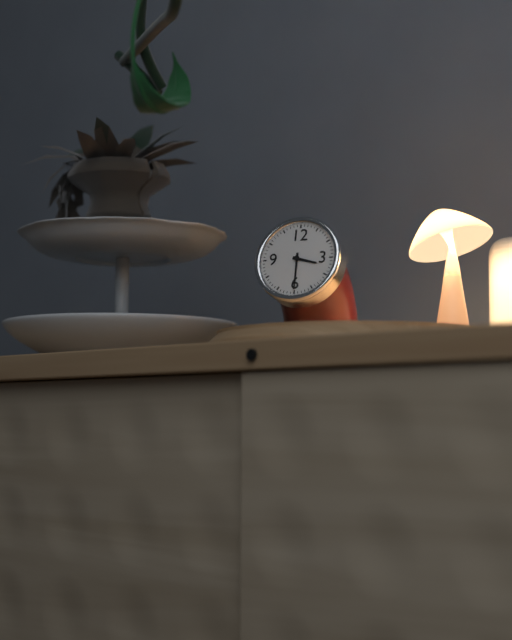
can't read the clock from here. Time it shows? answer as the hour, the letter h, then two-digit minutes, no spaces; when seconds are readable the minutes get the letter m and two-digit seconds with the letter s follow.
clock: 3h30
